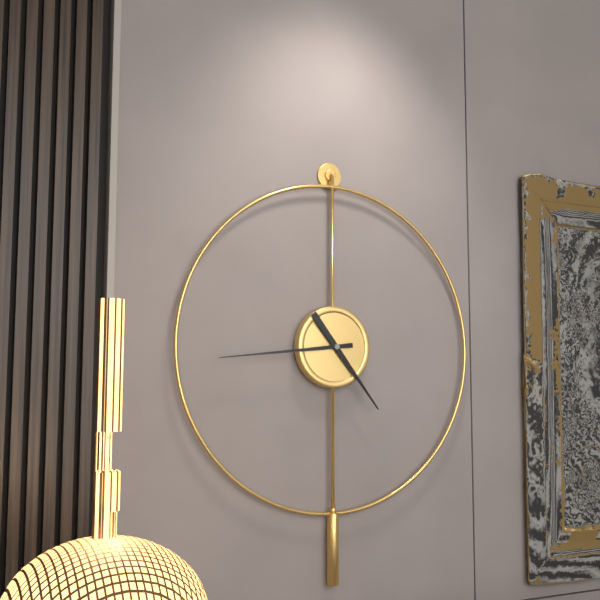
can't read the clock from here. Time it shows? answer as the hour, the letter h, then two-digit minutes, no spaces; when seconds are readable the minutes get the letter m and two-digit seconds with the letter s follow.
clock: 4h44
